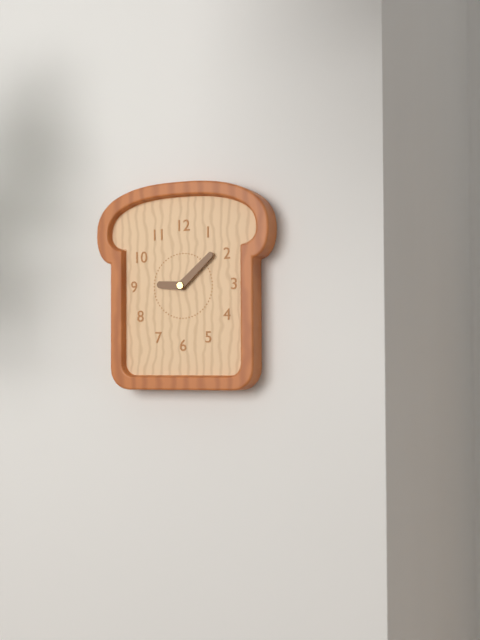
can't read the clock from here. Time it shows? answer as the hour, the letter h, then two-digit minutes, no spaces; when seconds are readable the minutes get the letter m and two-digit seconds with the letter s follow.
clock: 9h08
